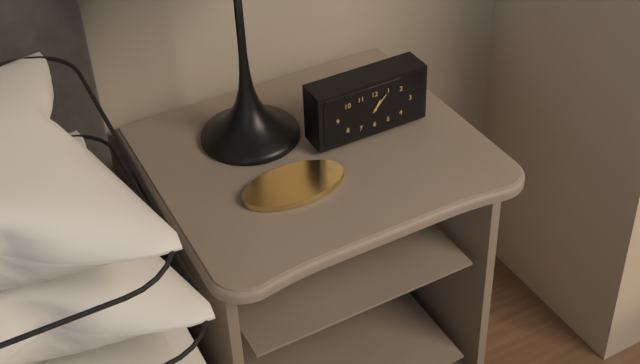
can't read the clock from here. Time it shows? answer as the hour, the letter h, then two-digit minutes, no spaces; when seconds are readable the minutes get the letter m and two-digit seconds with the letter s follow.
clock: 1h07
